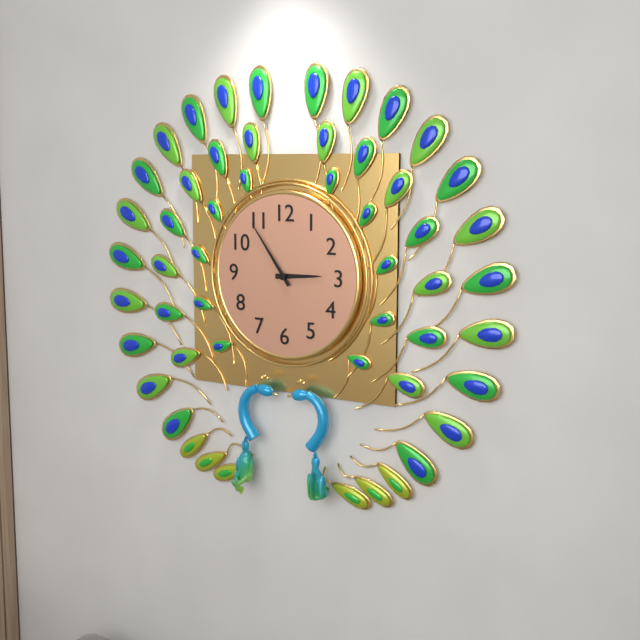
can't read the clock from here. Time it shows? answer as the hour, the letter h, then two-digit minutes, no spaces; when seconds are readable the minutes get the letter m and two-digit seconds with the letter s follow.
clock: 2h54
